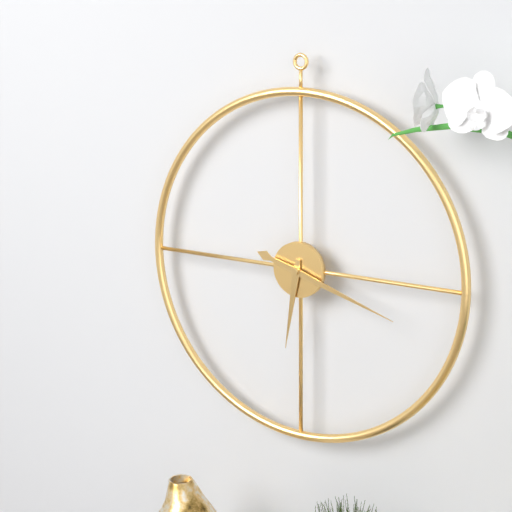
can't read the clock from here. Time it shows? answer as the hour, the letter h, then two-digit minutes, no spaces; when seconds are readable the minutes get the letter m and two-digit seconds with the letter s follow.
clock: 6h18
